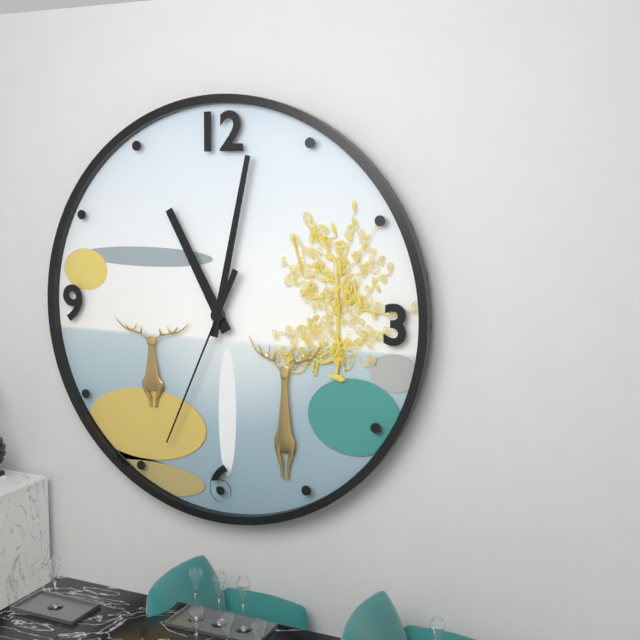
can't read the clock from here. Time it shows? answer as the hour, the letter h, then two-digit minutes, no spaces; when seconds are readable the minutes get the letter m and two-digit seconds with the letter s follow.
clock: 11h02m34s
